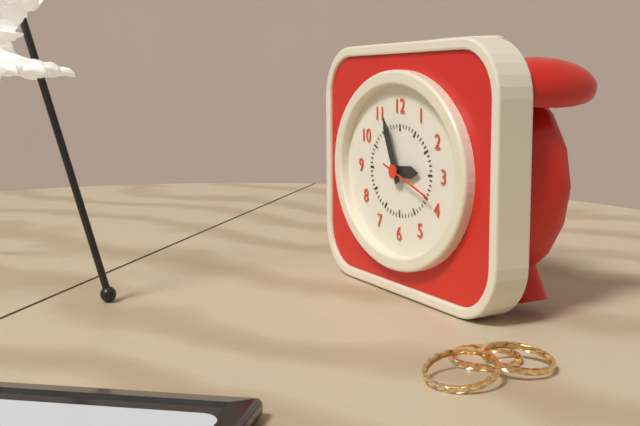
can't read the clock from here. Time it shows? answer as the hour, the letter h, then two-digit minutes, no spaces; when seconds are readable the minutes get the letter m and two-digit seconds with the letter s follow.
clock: 2h56
